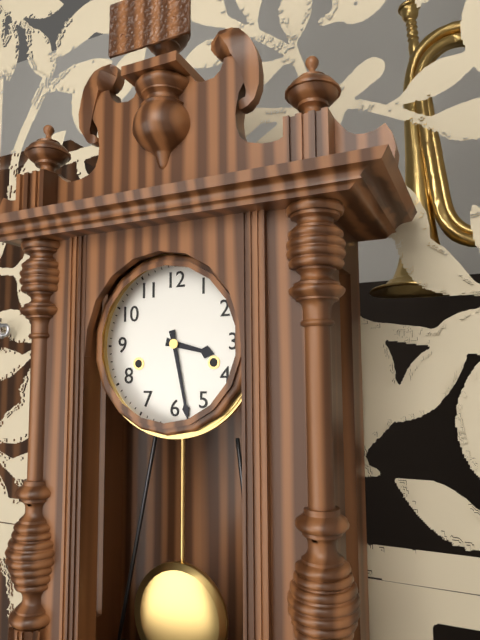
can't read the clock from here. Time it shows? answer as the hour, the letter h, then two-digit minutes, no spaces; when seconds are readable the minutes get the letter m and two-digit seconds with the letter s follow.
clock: 3h28
